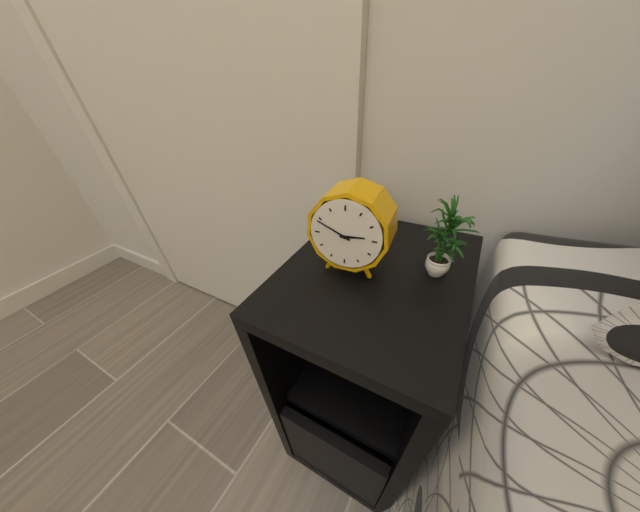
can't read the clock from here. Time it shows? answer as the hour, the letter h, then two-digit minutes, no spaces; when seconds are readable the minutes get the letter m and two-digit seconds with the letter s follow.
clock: 2h49
